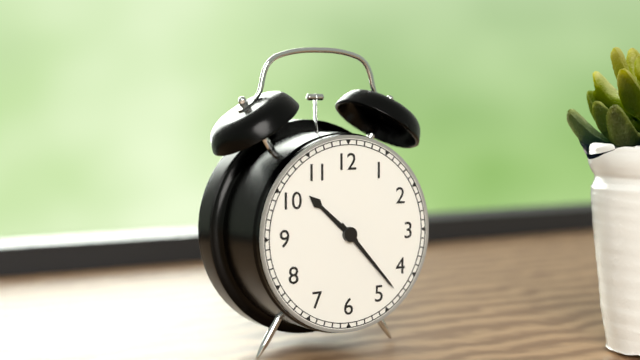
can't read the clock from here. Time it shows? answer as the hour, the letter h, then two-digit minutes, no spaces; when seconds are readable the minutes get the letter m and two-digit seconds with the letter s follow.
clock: 10h23
